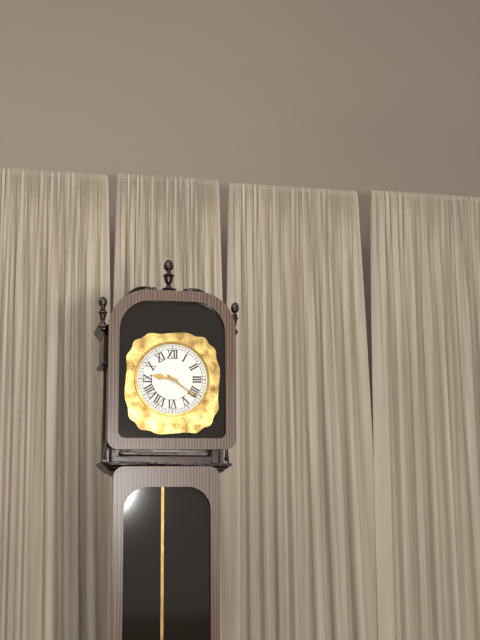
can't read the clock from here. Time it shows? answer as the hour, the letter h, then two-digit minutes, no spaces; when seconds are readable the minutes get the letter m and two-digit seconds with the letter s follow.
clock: 9h21
